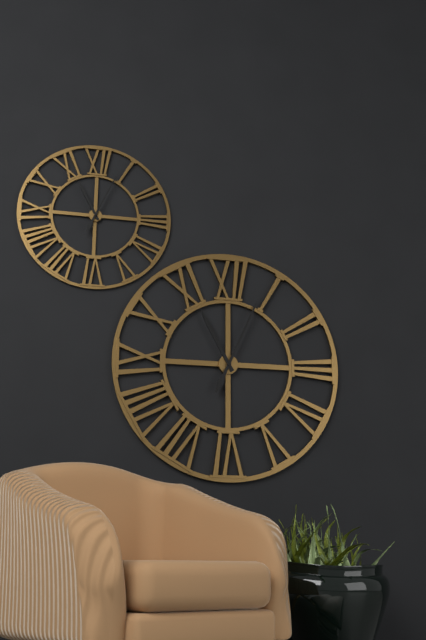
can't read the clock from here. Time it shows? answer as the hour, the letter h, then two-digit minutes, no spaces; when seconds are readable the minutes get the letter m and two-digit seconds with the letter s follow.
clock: 11h04
